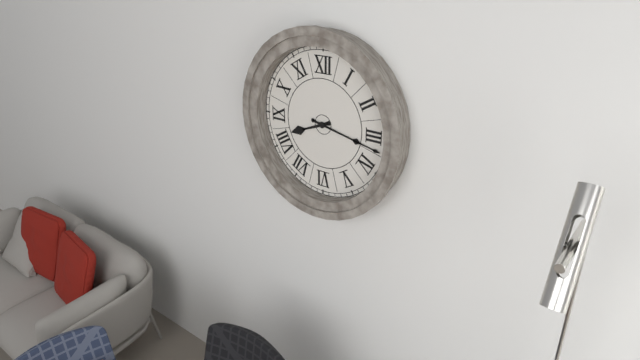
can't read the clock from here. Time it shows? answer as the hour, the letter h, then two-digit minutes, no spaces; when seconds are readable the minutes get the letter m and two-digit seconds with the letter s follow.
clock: 8h17
